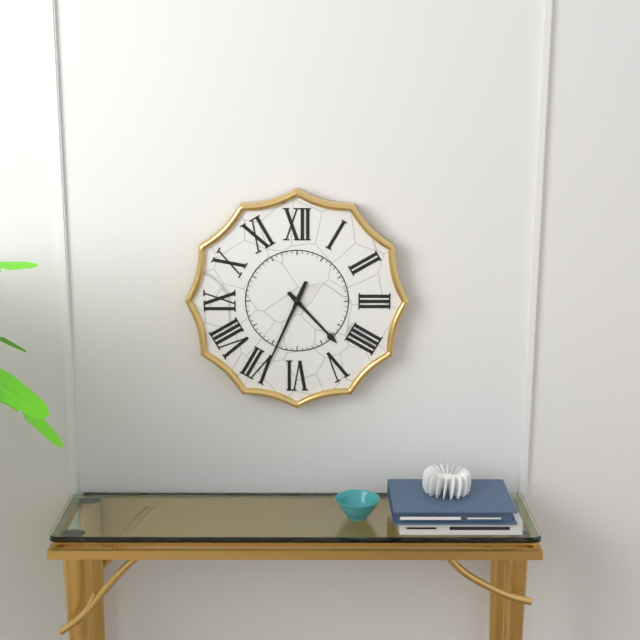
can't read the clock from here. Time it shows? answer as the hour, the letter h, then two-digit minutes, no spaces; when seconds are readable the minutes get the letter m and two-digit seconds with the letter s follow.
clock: 4h34
